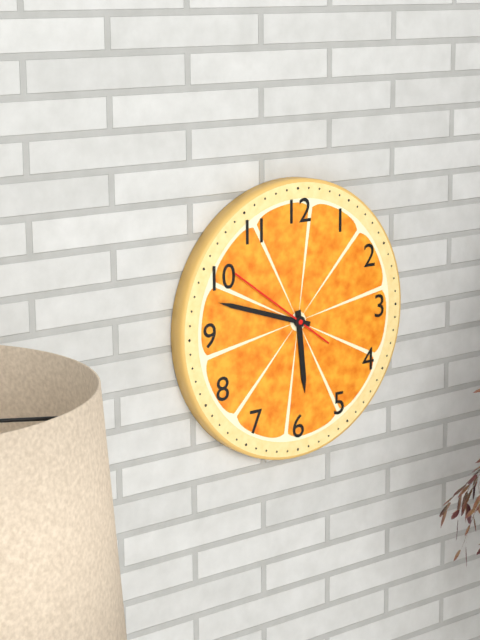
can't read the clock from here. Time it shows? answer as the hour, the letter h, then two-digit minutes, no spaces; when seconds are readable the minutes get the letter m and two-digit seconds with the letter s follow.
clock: 5h48m51s
